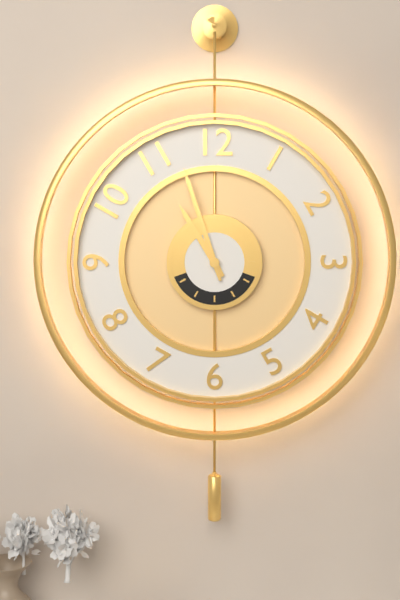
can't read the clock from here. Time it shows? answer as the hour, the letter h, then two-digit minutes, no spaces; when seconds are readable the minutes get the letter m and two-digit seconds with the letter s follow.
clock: 10h57
